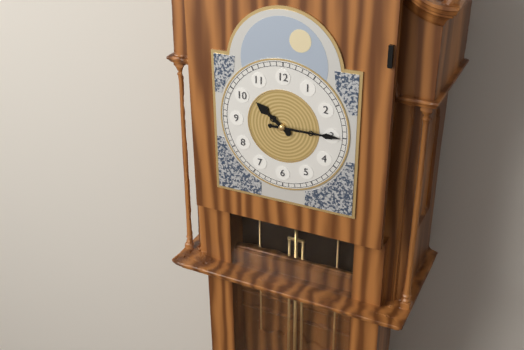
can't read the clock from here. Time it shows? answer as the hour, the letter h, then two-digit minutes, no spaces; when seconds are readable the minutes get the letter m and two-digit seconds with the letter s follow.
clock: 10h15
